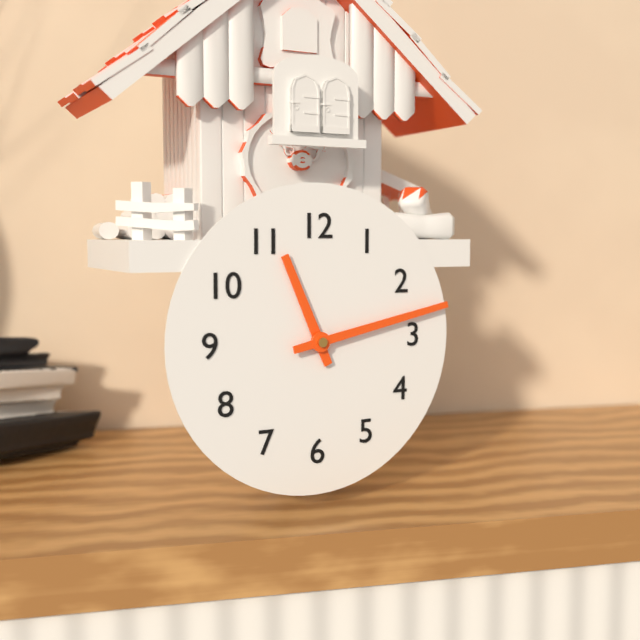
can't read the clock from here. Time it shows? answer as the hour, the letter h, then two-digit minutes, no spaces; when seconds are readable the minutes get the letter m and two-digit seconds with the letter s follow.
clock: 11h13
